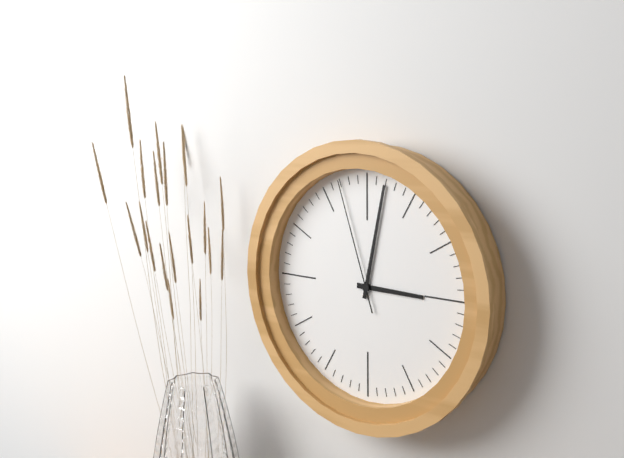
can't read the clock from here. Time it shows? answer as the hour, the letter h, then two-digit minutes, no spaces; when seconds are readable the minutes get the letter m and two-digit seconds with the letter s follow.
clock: 3h02m57s
